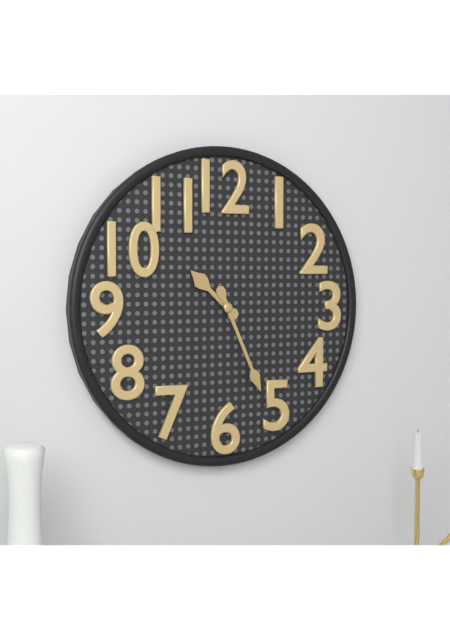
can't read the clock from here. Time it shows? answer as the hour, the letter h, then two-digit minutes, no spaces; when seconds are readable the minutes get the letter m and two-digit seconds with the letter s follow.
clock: 10h26
